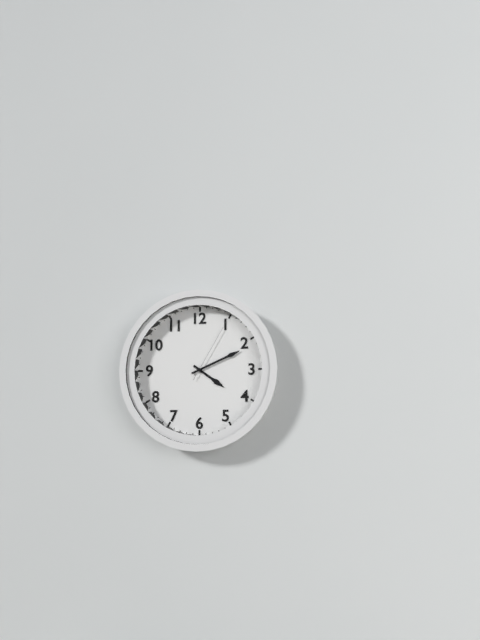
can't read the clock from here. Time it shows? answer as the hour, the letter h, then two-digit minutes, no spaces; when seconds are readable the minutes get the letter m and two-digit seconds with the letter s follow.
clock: 4h11m05s
